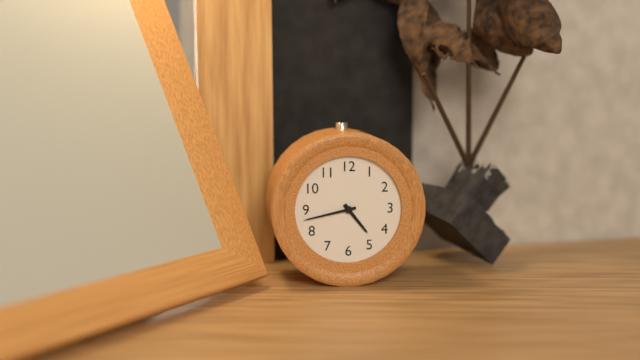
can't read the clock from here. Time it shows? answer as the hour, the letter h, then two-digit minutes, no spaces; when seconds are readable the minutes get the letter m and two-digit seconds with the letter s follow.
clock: 4h43
